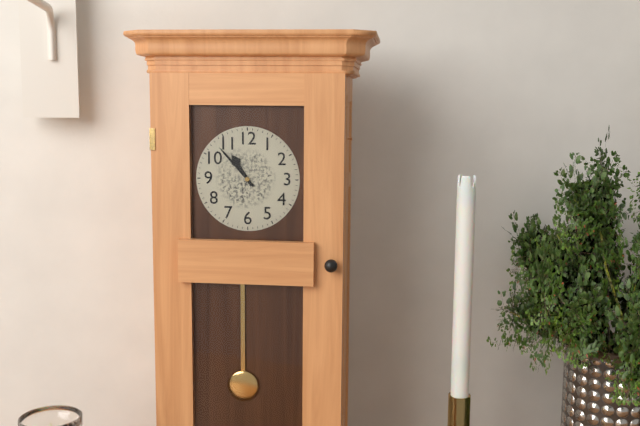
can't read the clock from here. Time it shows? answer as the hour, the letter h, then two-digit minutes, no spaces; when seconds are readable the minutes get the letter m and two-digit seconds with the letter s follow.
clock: 10h53
